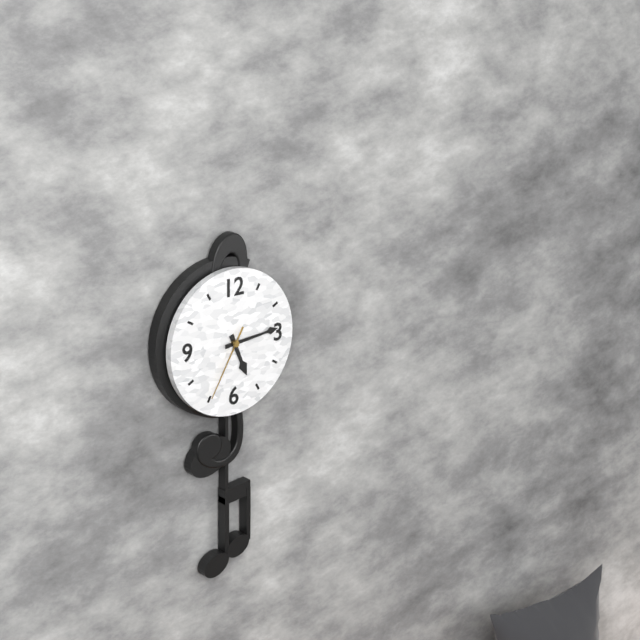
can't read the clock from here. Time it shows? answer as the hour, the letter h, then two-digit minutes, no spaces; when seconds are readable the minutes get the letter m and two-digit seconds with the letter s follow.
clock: 5h14m35s
